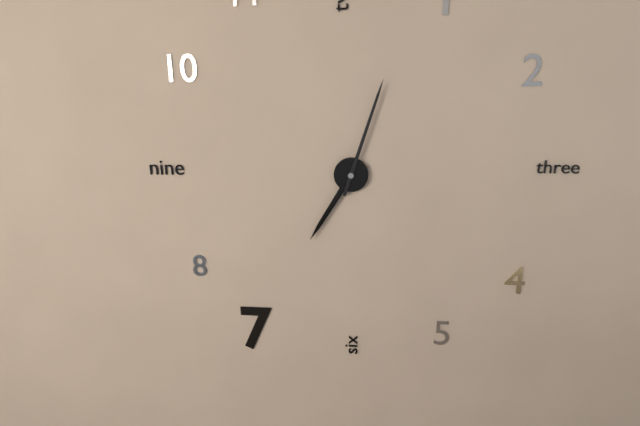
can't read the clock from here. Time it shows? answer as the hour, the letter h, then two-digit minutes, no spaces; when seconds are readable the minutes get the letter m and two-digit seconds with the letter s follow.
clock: 7h03
